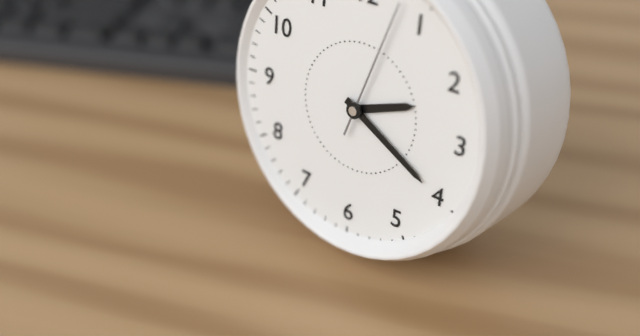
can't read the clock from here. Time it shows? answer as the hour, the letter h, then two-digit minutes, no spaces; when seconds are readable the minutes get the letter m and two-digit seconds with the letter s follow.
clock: 2h20m03s
